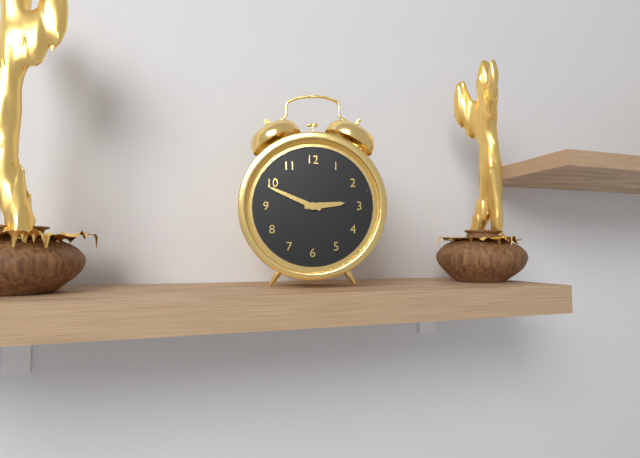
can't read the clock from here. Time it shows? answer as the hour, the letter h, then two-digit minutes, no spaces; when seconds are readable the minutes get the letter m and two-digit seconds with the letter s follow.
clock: 2h49
